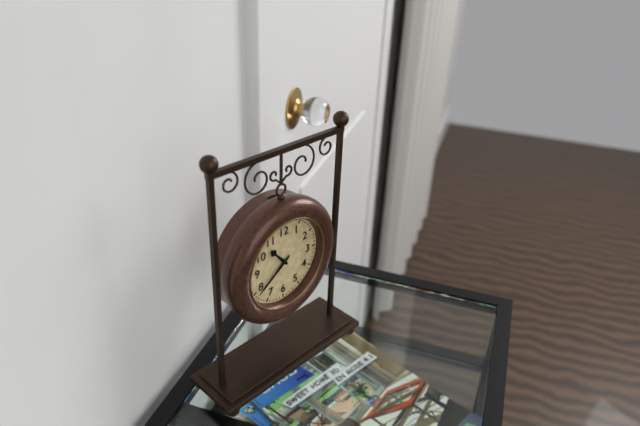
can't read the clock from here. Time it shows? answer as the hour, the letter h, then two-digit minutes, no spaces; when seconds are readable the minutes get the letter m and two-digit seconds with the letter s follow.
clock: 10h39
